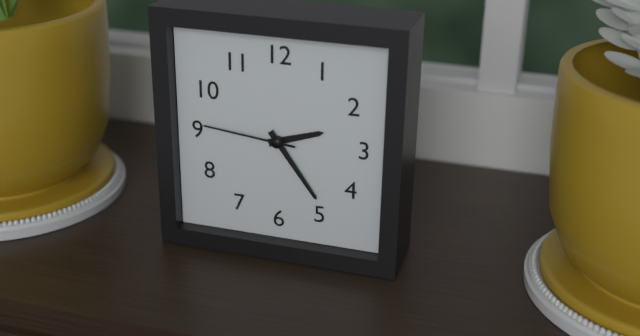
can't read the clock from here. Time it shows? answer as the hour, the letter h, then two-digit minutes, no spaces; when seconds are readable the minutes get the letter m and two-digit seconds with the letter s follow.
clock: 2h24m46s
